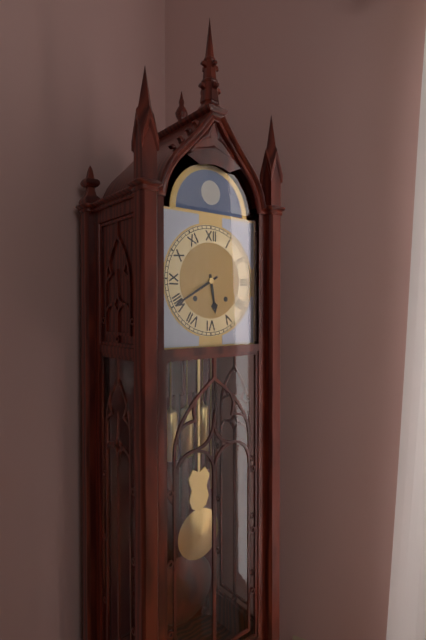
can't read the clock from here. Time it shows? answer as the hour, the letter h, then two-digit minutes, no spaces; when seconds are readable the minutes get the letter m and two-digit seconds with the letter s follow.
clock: 5h40
